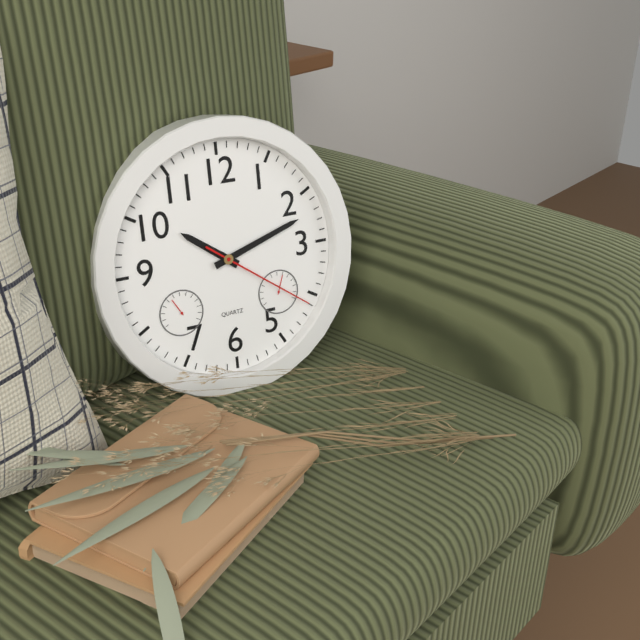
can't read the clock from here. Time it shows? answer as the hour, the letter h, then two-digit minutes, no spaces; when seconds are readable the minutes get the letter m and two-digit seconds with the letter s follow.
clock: 10h12m21s
